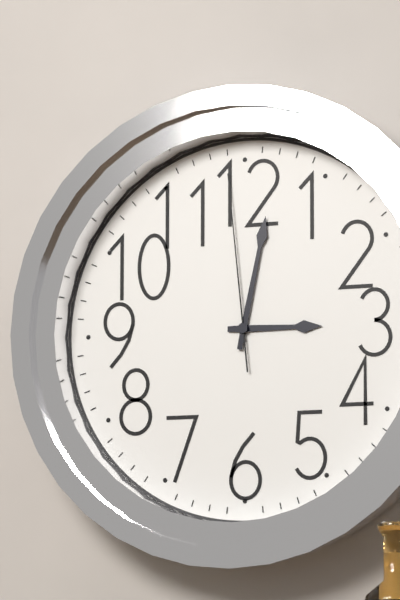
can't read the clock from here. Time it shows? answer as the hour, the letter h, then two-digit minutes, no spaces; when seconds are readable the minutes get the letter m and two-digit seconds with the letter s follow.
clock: 3h02m59s
